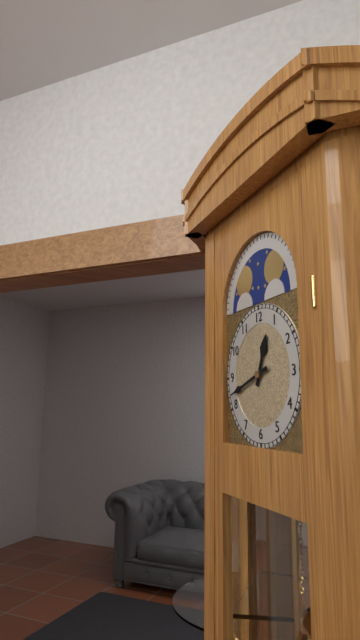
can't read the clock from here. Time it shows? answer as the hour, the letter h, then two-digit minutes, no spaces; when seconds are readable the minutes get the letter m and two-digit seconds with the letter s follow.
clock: 12h42
